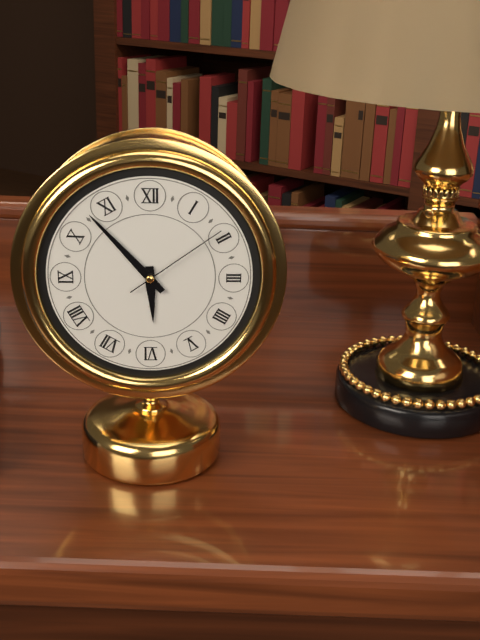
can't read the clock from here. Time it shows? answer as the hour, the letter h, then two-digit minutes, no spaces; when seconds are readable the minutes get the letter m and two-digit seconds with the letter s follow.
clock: 5h53m09s
